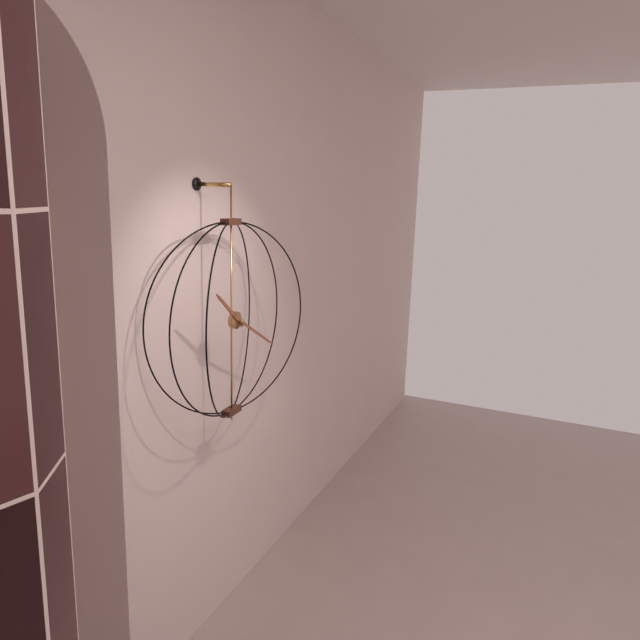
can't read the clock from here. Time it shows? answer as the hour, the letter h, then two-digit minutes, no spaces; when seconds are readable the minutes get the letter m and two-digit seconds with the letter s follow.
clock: 10h20
